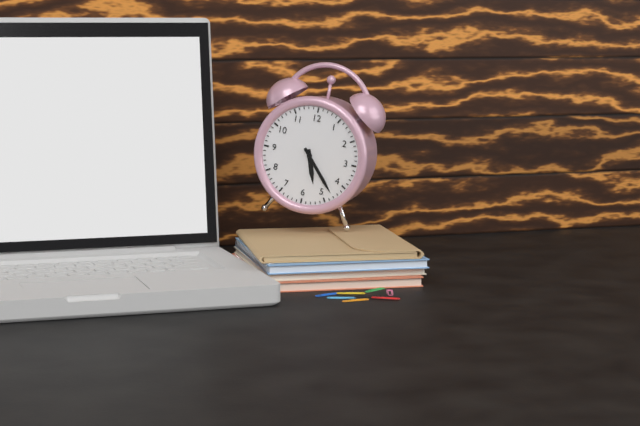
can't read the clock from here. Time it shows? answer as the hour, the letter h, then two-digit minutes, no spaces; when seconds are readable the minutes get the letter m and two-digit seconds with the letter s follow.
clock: 5h23
